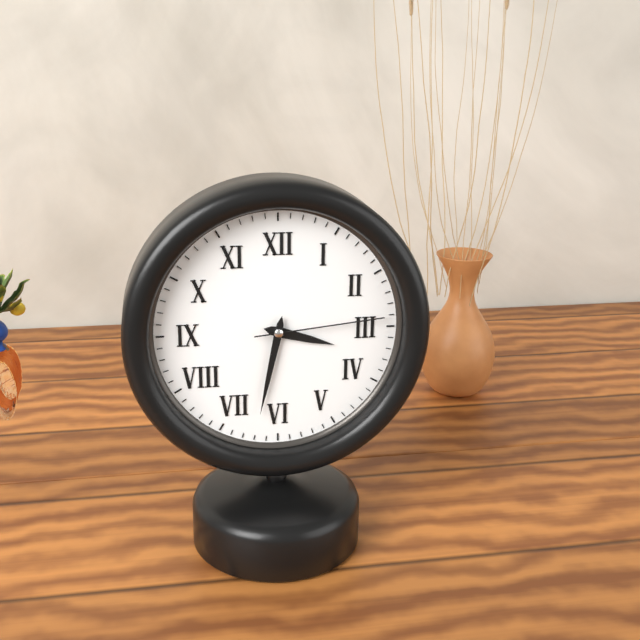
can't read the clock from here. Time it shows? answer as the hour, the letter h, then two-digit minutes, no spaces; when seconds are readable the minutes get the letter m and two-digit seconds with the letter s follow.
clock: 3h32m14s
